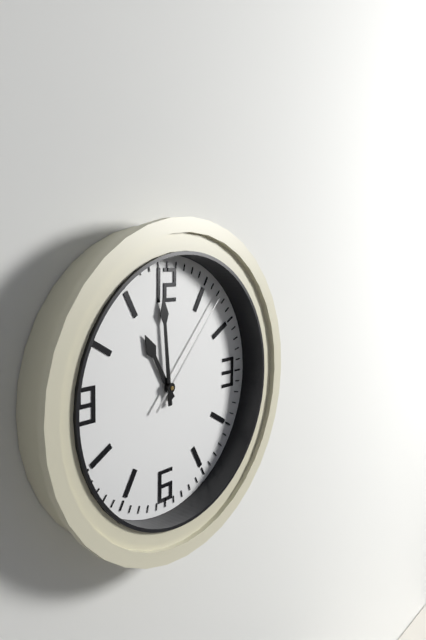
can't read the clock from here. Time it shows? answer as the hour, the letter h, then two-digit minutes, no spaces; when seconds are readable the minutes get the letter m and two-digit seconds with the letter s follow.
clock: 10h59m07s
